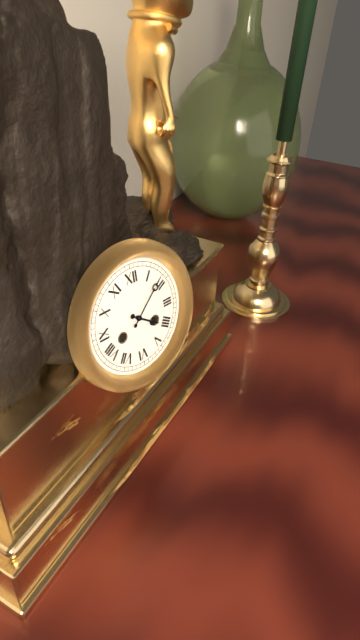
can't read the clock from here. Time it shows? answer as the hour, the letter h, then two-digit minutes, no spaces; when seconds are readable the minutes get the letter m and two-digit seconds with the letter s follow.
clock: 4h08
